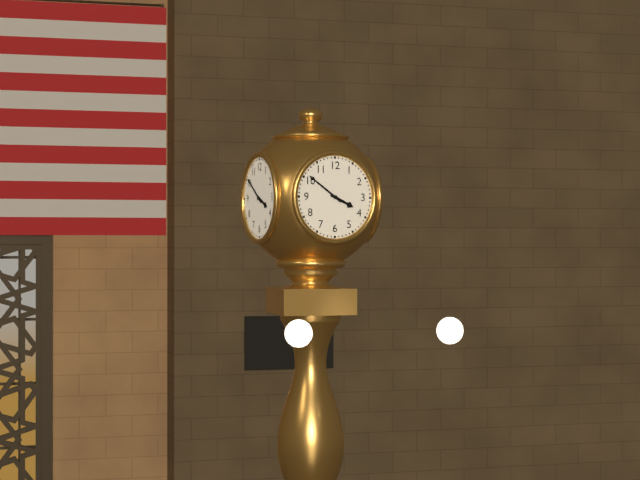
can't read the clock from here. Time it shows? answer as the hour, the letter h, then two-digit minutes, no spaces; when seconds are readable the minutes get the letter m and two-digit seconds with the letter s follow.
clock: 3h51
